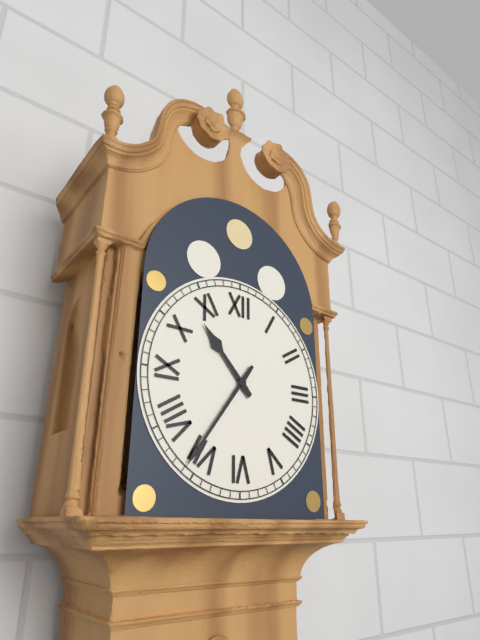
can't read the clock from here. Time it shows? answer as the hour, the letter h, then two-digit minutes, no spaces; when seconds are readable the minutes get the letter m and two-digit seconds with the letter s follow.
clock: 10h36
